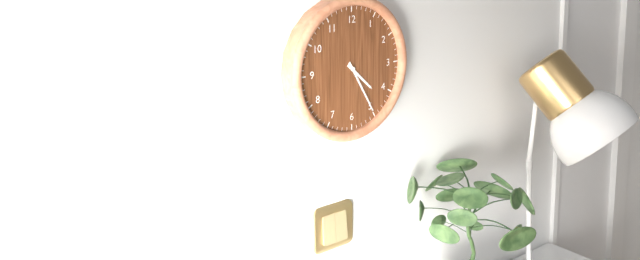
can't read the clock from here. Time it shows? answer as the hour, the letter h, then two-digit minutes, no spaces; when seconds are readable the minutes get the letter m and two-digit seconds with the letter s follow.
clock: 4h25
